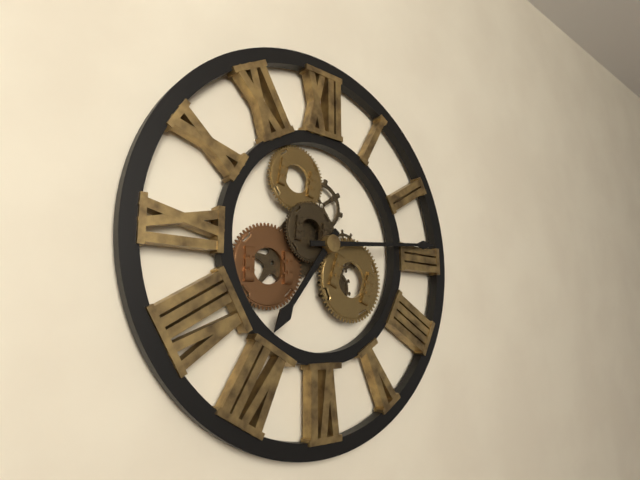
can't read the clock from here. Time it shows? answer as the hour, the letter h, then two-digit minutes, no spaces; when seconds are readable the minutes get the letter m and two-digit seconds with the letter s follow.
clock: 7h14
